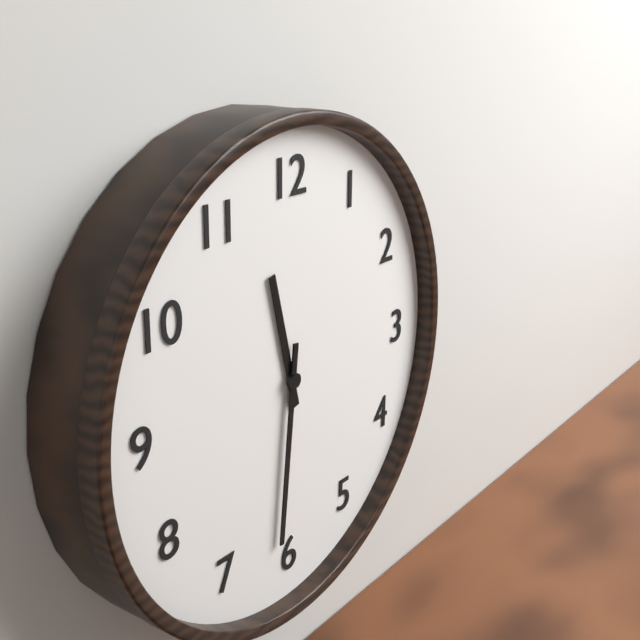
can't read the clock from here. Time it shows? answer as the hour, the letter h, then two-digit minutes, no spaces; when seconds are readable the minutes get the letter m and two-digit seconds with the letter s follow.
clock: 11h31
